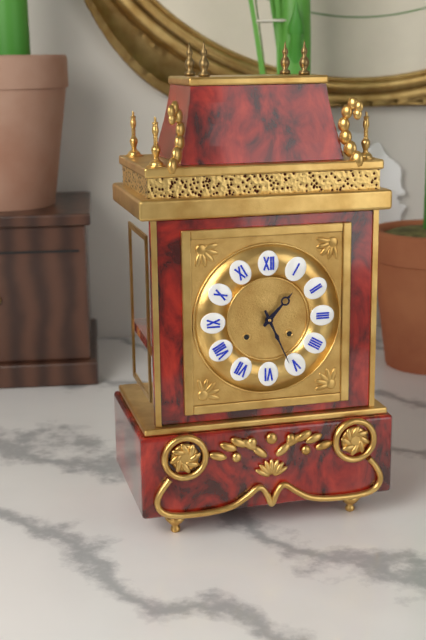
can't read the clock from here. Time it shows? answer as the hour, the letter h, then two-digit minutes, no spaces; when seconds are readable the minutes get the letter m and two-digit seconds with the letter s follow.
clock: 1h26
